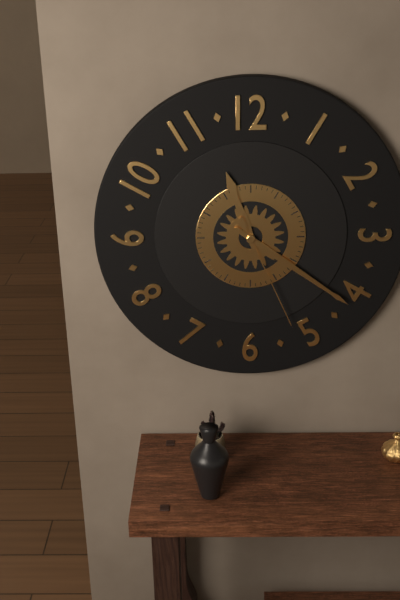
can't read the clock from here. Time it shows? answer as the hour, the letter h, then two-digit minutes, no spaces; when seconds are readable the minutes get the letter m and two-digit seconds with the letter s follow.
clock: 11h21m26s
